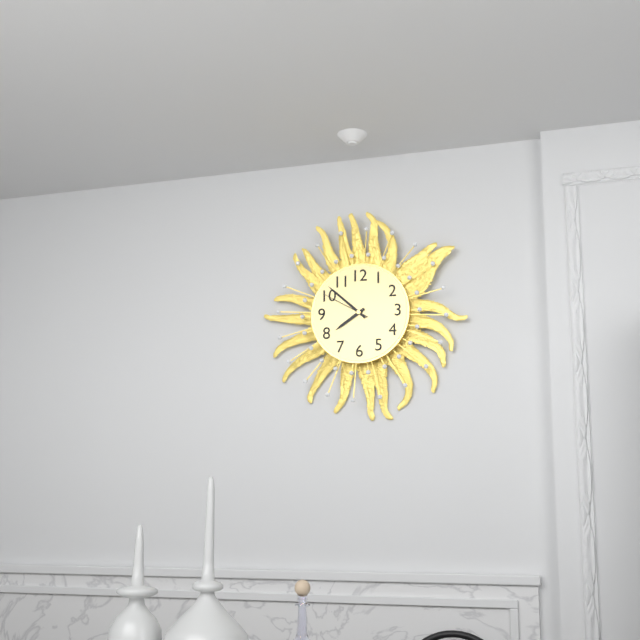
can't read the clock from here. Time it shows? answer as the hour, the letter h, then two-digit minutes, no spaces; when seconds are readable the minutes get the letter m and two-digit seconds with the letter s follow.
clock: 7h52
